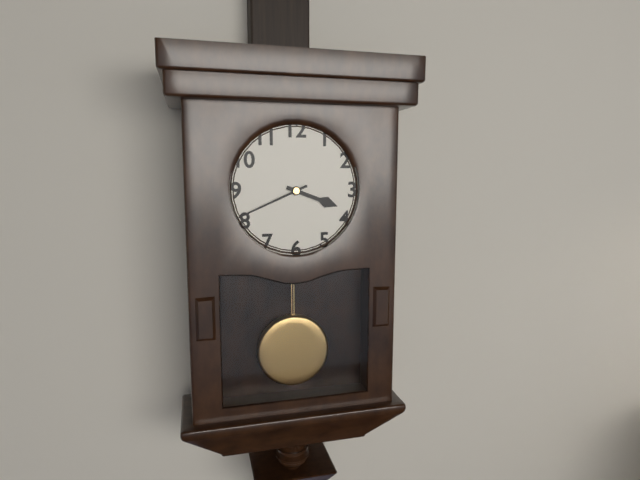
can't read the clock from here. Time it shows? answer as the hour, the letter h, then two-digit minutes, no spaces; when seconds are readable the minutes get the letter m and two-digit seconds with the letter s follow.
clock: 3h41
